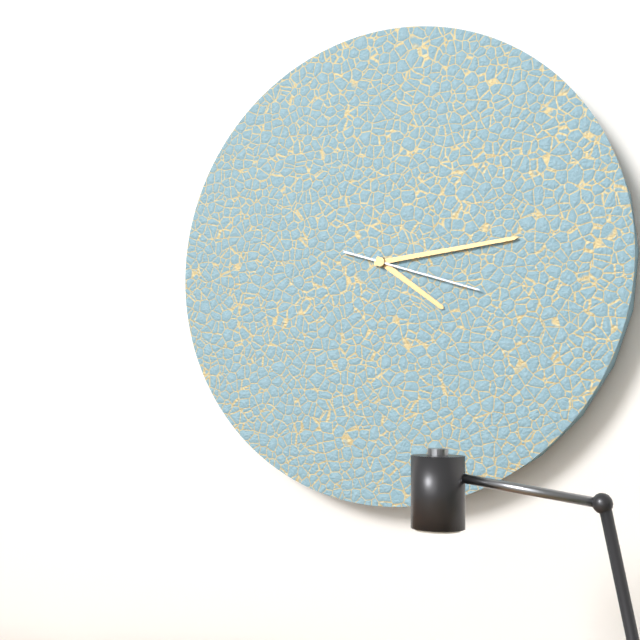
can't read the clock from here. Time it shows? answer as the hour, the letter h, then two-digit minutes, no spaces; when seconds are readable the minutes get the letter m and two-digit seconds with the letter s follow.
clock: 4h14m18s
